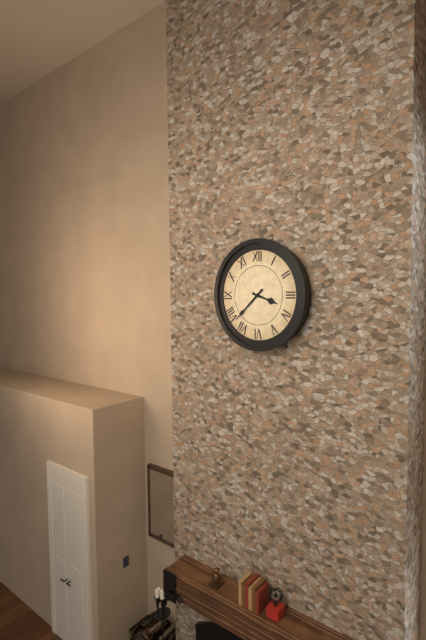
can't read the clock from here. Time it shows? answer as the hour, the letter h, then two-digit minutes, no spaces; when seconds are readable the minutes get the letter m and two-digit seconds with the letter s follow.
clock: 3h38
